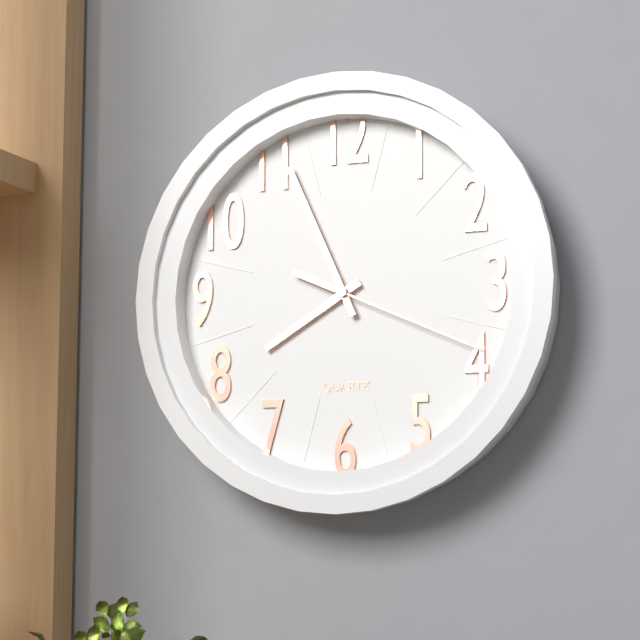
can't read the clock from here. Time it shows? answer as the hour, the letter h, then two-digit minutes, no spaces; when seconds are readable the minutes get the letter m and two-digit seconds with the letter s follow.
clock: 7h56m19s
